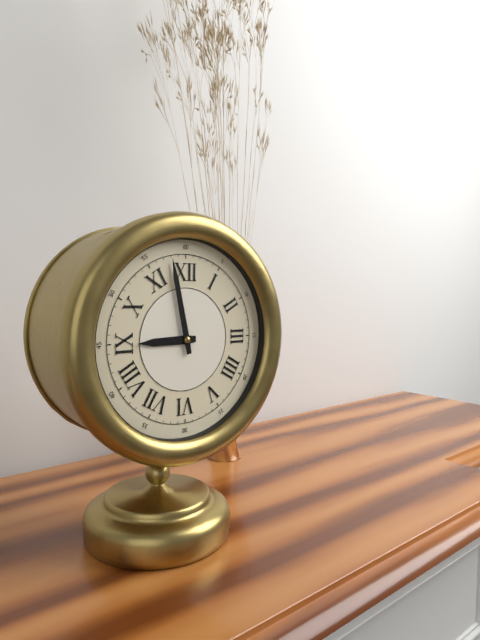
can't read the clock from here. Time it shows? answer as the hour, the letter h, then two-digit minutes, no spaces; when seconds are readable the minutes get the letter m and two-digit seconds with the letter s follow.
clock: 8h58
